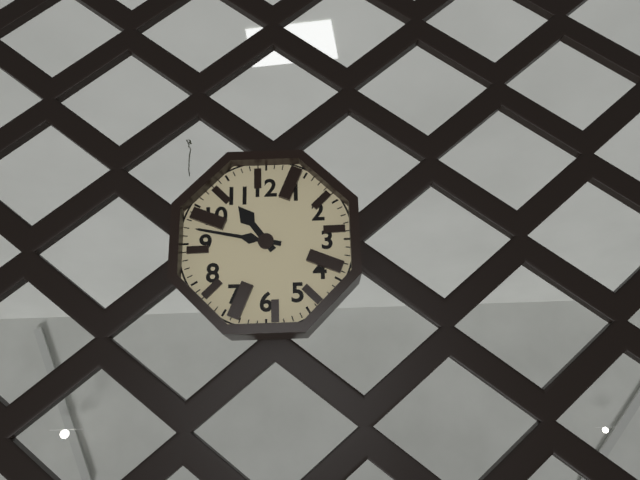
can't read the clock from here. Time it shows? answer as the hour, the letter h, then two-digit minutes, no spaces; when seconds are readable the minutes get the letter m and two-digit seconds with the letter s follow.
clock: 10h47
